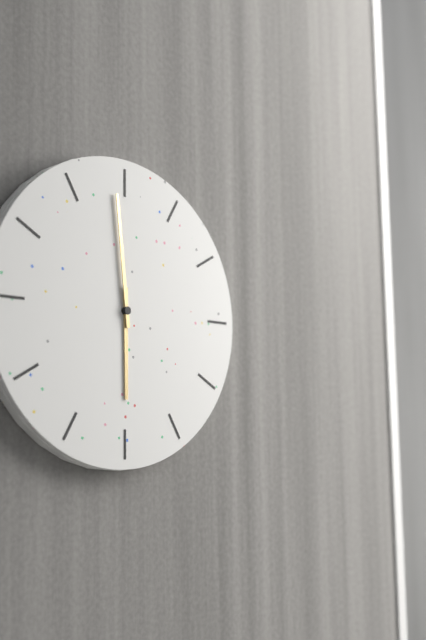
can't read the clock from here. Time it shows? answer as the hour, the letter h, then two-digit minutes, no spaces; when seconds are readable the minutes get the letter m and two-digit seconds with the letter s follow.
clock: 5h59
